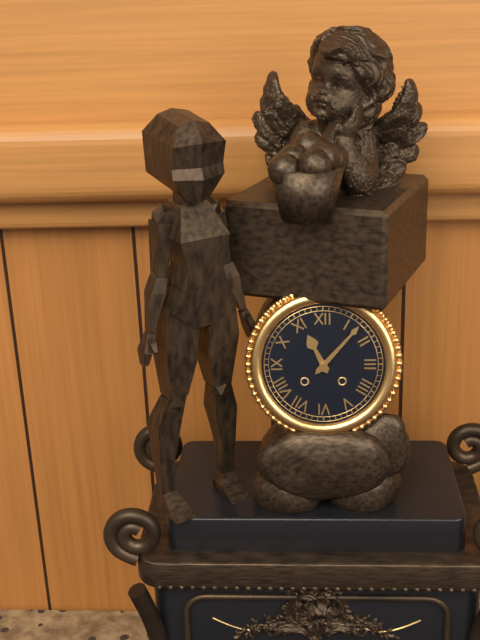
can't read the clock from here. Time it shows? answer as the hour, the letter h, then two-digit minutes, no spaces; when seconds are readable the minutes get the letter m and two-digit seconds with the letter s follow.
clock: 11h07
